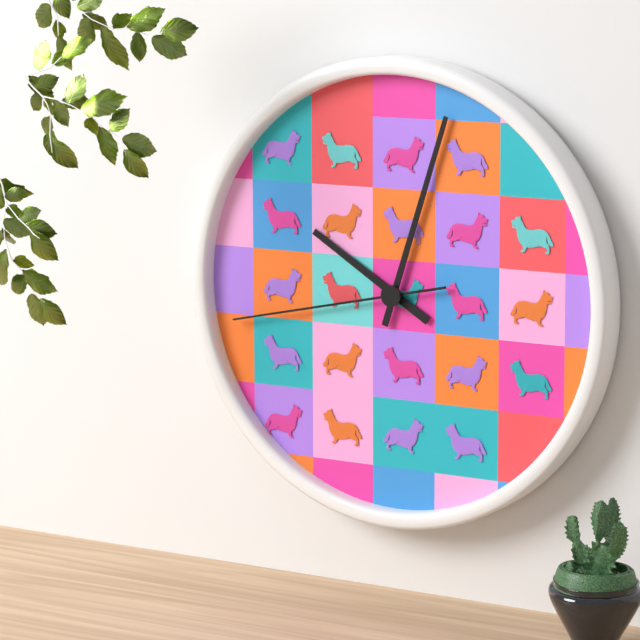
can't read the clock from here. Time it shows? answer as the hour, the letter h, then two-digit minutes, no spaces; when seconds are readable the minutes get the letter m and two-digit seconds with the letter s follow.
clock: 10h03m43s
